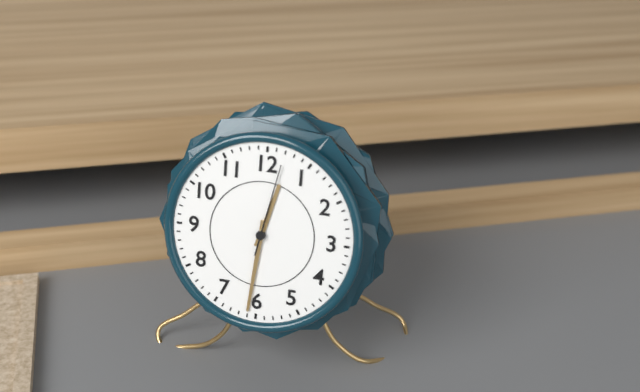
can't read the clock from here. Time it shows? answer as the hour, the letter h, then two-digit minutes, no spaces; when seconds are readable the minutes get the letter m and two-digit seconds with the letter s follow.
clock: 12h31m02s
